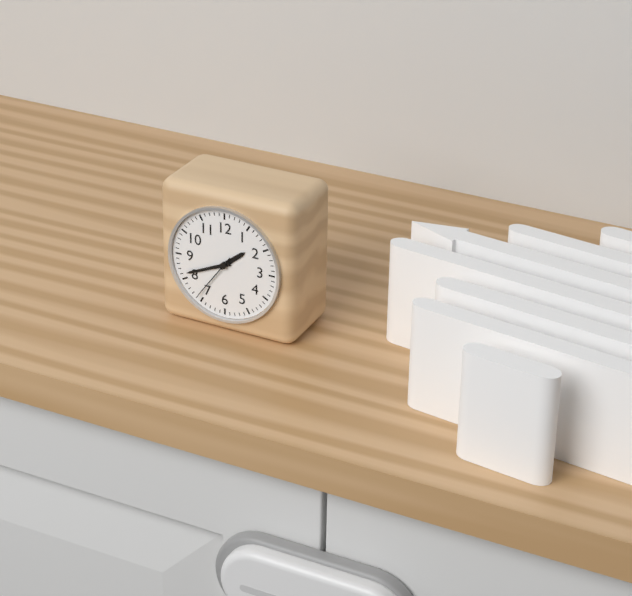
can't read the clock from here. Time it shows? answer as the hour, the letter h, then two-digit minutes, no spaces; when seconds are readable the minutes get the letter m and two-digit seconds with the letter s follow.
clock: 1h41m36s
